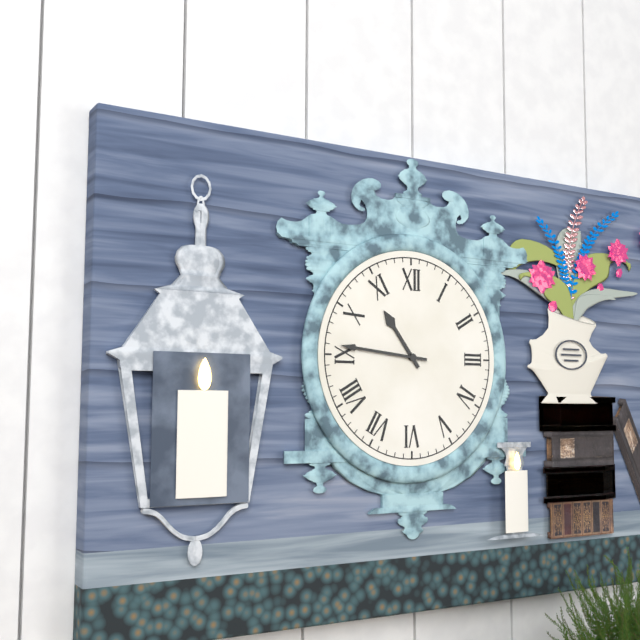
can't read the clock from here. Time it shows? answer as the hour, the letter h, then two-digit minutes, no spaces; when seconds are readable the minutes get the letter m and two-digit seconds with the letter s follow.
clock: 10h46
